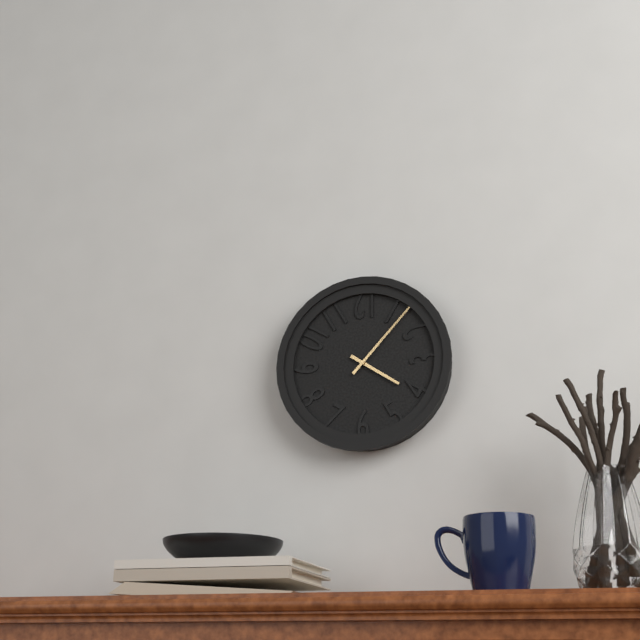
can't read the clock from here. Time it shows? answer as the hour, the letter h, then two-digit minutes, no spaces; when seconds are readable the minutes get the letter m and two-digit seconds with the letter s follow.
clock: 4h07
